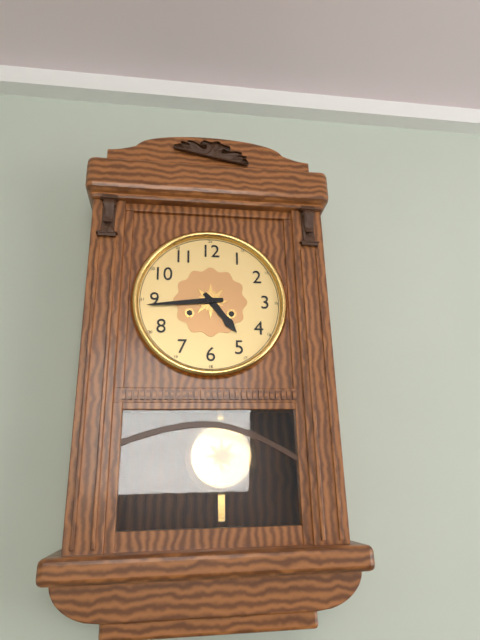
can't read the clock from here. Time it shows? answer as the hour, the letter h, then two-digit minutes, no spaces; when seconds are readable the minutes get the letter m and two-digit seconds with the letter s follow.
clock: 4h44
